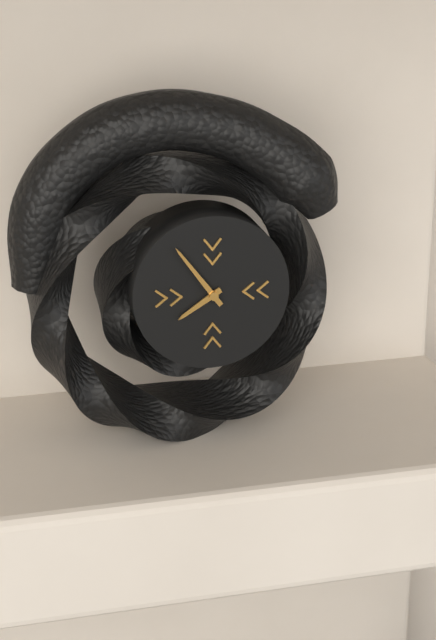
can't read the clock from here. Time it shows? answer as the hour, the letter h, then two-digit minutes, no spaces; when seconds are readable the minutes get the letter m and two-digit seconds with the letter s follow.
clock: 7h54
